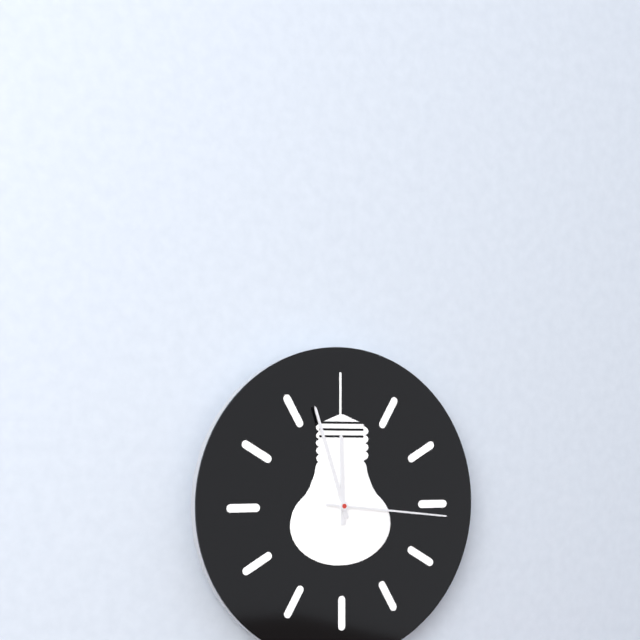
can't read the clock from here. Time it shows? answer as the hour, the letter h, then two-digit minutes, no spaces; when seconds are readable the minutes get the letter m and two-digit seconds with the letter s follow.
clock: 11h57m16s
